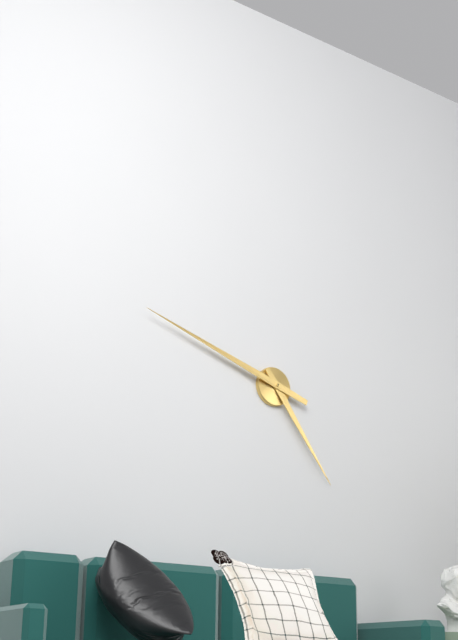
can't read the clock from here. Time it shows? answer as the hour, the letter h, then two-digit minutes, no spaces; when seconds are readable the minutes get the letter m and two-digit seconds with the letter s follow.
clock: 4h48
